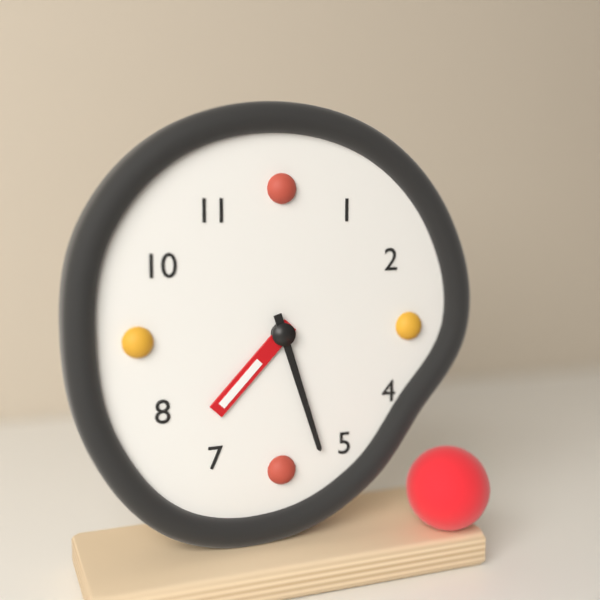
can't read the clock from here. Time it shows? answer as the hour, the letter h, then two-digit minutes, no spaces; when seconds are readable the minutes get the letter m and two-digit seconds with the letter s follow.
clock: 7h27
